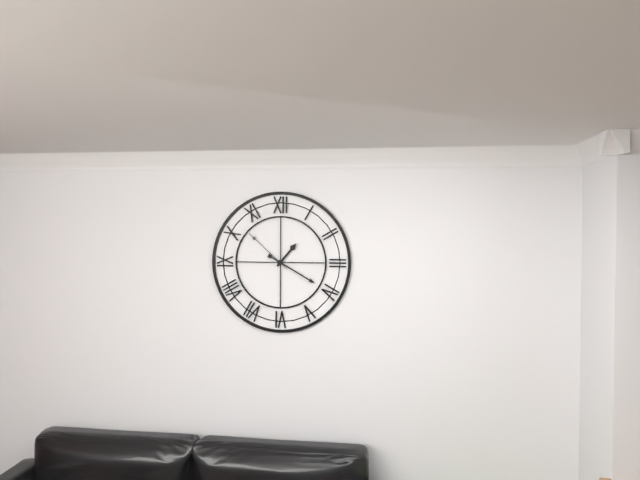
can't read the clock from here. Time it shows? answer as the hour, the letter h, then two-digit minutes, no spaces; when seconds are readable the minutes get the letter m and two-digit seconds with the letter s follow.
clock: 1h20m52s
